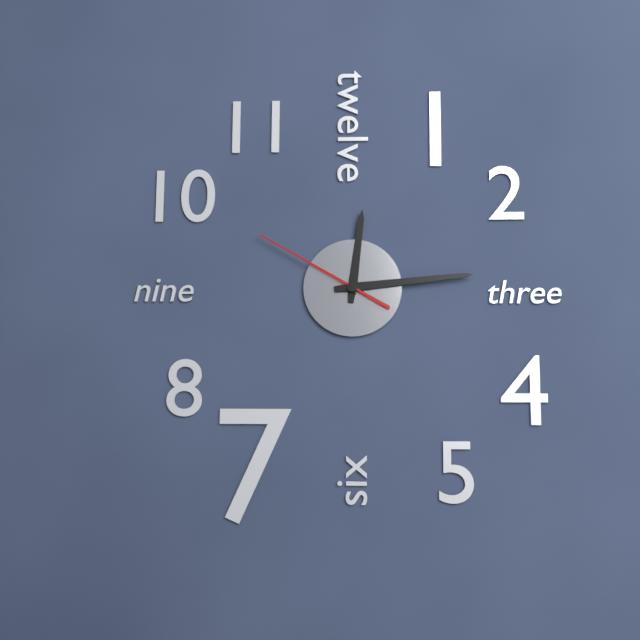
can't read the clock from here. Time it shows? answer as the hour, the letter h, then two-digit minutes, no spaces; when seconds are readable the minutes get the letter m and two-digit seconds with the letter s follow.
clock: 12h14m50s
